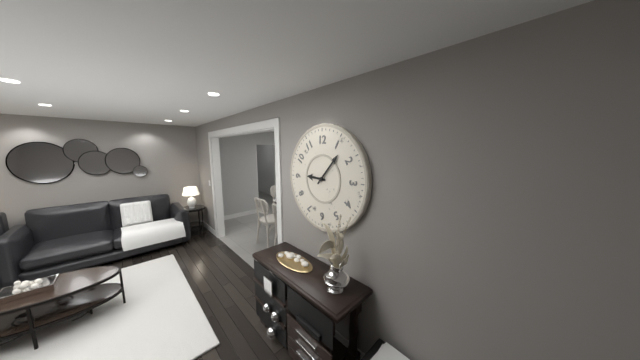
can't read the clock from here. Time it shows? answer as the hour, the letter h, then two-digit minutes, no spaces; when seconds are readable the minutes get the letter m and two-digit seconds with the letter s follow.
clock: 9h07
